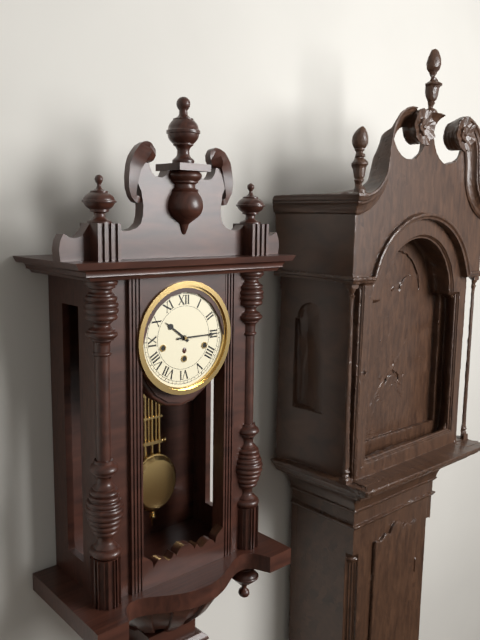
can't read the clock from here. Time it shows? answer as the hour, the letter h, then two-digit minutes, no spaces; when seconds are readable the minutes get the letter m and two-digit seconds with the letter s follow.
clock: 10h15
